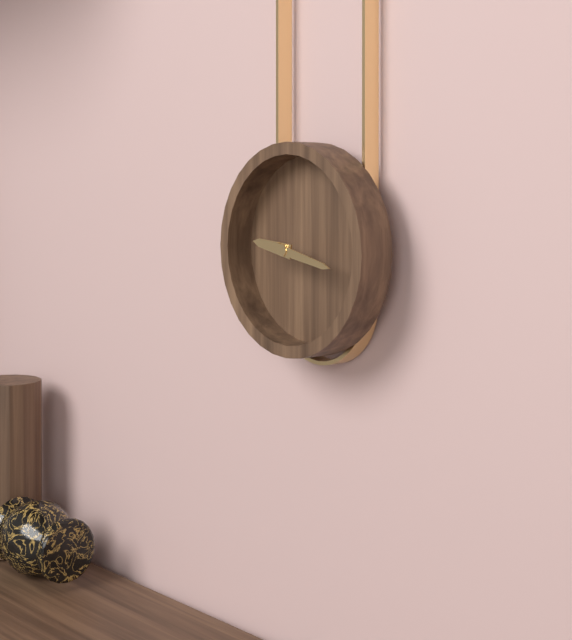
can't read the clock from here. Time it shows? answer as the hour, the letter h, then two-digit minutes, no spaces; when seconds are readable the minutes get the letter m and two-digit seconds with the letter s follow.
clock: 9h17
